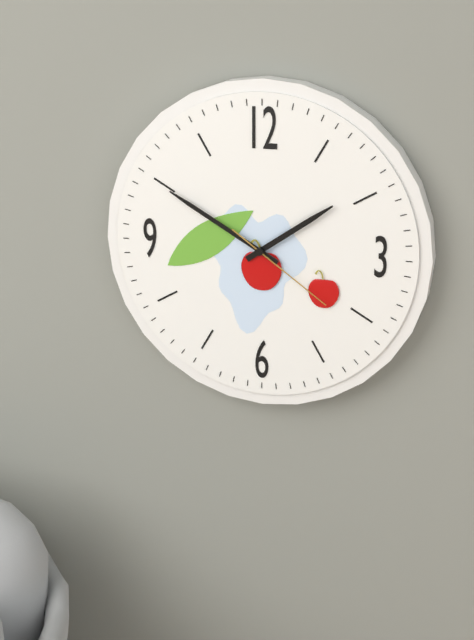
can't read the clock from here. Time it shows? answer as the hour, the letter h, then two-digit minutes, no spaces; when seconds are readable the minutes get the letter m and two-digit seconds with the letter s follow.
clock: 1h50m21s
